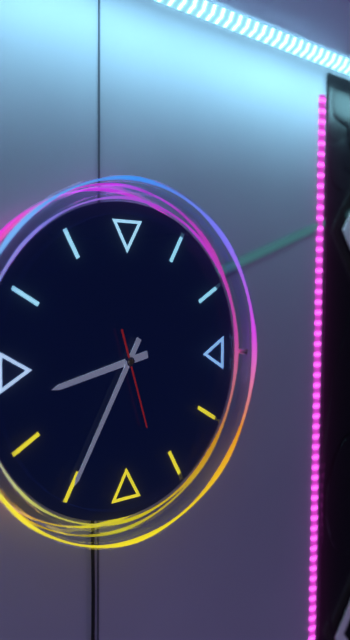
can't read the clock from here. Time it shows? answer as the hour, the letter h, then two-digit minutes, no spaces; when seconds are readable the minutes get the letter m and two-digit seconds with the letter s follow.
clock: 8h35m27s
